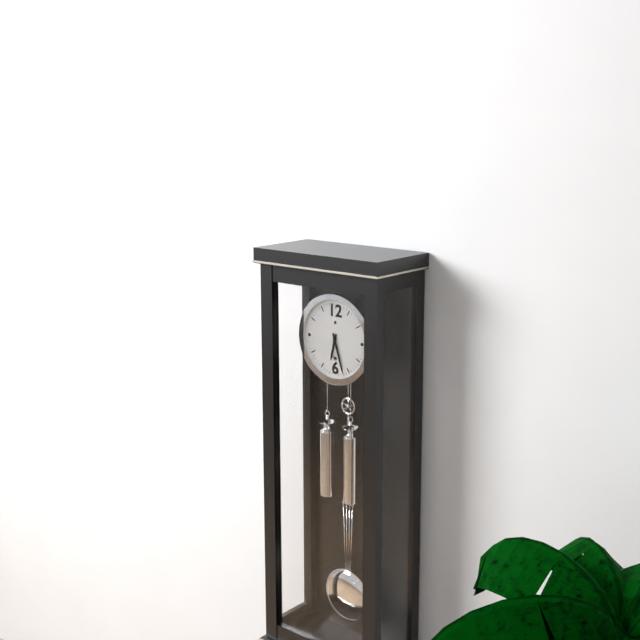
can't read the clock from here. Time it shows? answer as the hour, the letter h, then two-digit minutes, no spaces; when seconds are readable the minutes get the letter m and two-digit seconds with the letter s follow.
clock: 6h27
